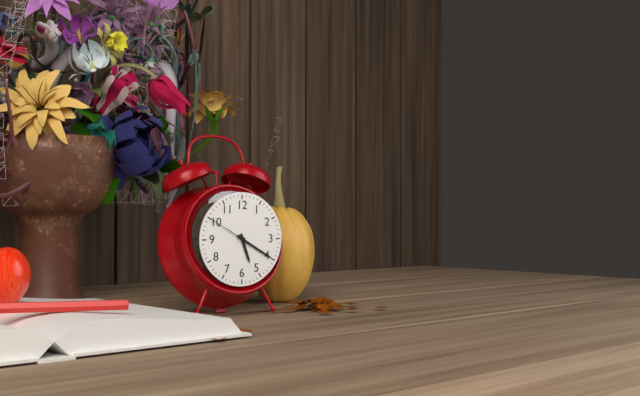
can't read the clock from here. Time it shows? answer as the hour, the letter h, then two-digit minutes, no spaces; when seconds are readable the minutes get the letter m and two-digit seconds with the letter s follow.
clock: 5h20
